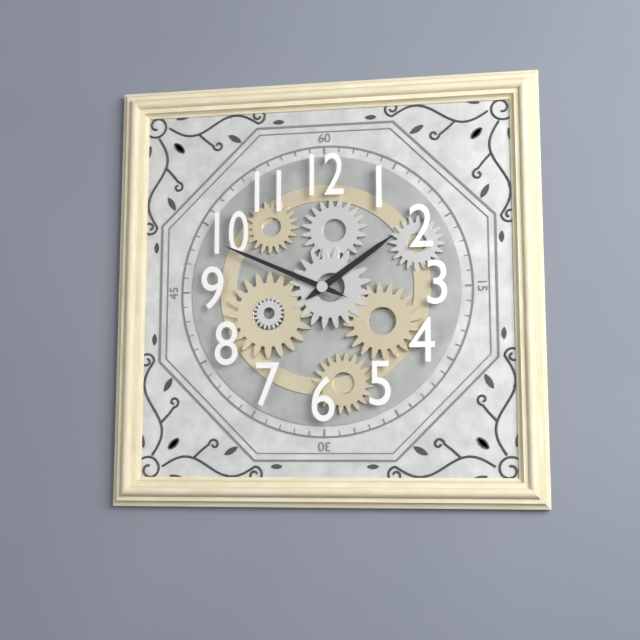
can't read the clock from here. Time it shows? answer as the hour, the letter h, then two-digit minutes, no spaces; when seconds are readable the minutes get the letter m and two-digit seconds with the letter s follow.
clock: 1h49
